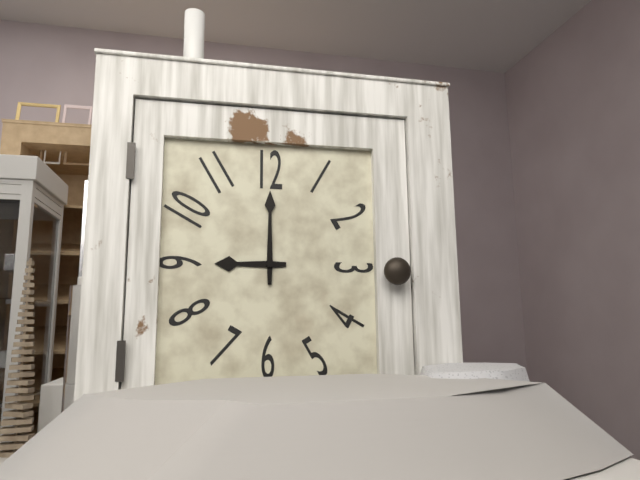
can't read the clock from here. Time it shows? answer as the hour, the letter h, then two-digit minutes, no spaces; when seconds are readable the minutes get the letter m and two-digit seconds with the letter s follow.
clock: 9h00
